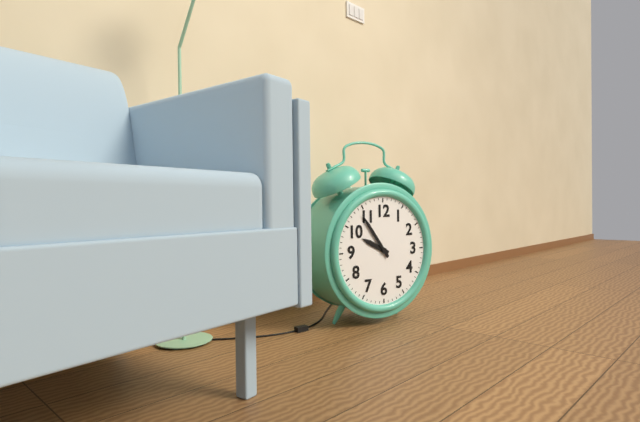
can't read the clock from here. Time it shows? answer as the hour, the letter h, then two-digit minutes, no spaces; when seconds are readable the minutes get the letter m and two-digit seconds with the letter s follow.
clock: 9h54
